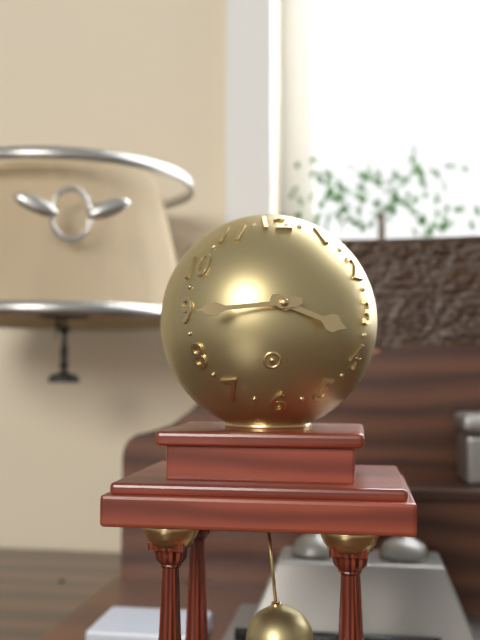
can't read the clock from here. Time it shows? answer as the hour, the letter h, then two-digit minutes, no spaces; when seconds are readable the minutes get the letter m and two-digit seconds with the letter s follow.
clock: 3h44
